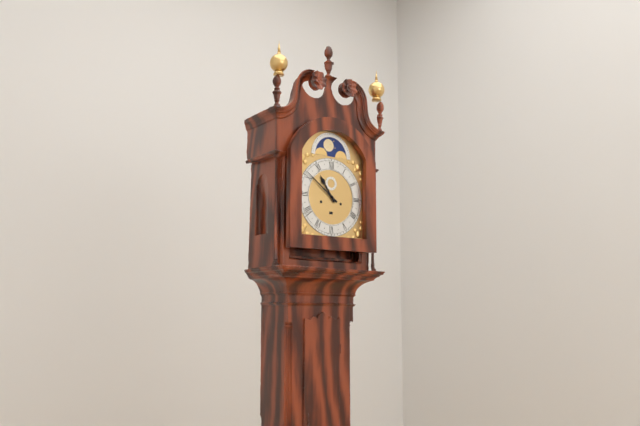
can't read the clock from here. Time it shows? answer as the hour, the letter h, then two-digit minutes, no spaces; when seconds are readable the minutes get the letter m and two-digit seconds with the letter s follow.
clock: 10h51
